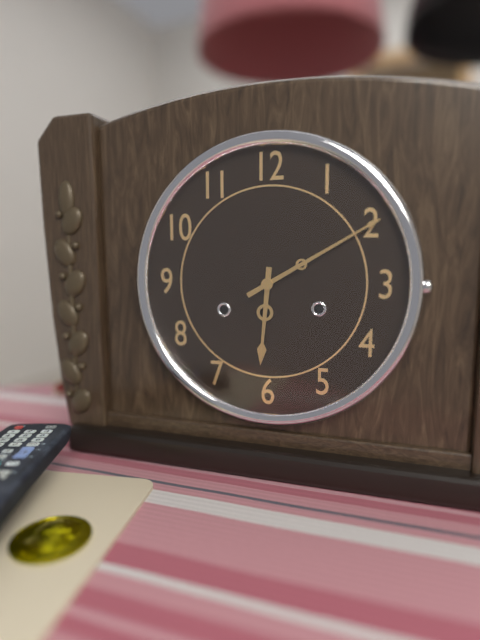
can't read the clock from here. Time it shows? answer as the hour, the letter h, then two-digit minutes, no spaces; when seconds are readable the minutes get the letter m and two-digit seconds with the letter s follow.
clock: 6h10
